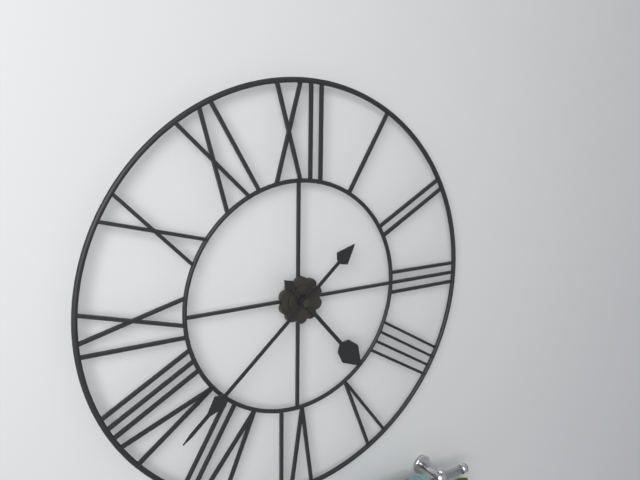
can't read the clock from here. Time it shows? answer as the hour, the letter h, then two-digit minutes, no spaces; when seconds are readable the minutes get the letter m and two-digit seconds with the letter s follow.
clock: 4h38
